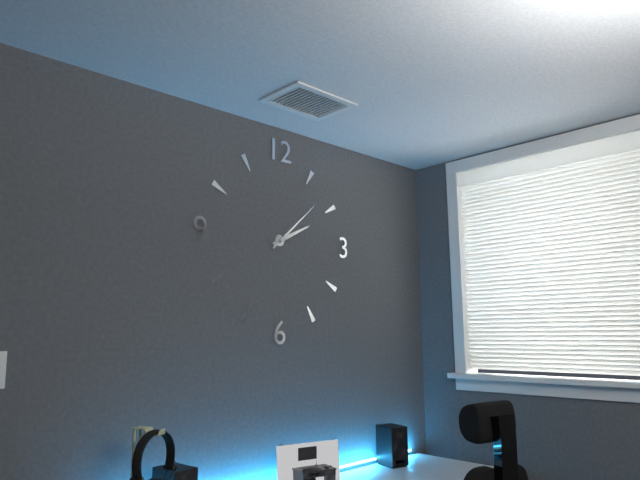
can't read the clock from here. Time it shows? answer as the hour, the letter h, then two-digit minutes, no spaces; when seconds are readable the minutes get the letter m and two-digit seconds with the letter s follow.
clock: 2h08
